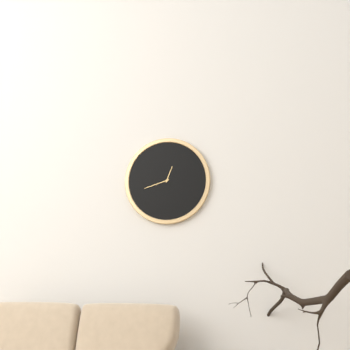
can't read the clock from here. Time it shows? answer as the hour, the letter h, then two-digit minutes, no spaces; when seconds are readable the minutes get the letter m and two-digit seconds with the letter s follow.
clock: 12h42
